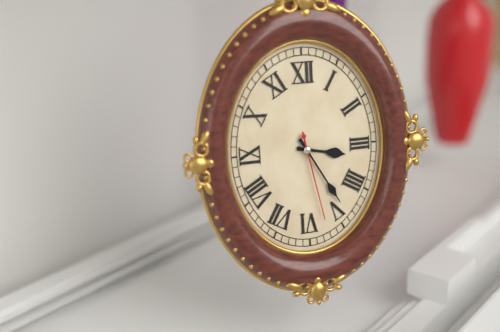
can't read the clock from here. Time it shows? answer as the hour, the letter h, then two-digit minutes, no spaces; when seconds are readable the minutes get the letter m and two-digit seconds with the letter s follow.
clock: 3h25m28s
